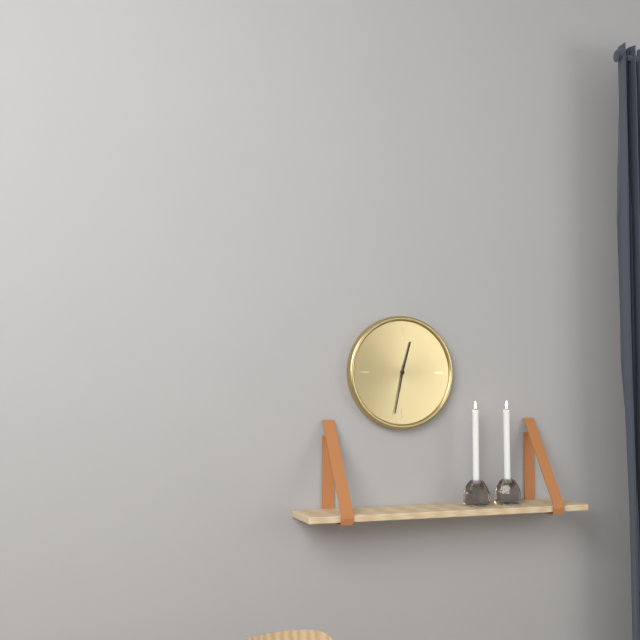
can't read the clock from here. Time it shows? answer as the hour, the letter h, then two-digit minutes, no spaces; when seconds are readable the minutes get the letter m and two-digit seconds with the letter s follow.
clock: 12h32
